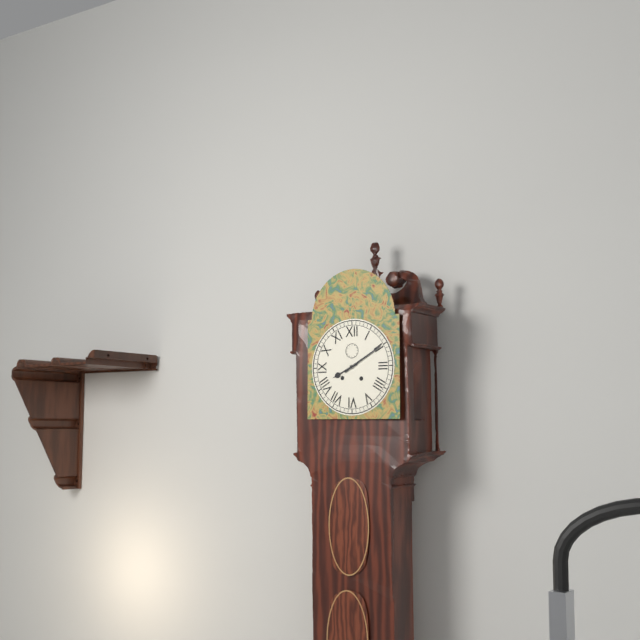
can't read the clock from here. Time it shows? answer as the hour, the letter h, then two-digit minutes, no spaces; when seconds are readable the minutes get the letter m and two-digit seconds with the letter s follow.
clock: 8h10
